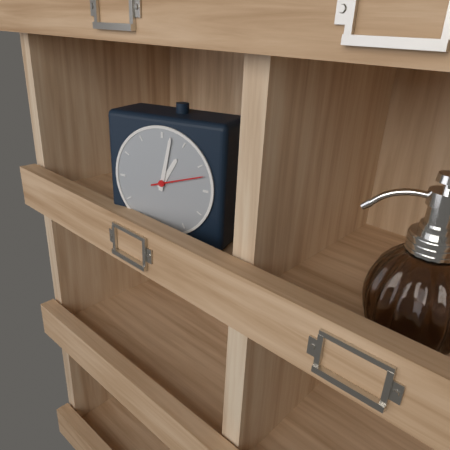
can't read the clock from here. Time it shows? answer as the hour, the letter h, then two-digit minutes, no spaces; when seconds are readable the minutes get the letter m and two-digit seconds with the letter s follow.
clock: 1h02m12s
